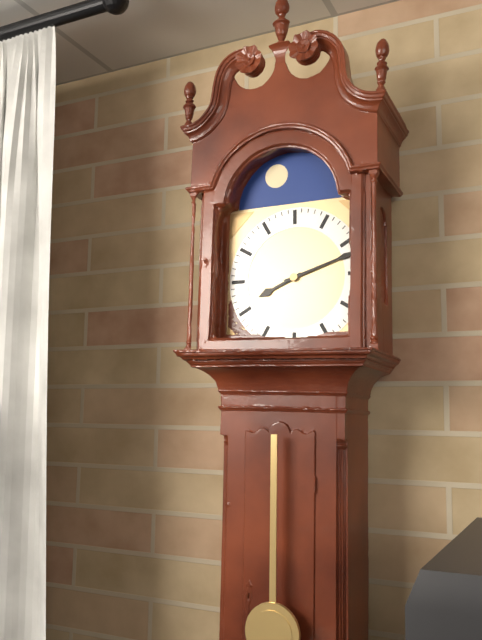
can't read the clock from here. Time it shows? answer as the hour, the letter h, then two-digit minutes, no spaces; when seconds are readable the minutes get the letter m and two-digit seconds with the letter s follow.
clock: 8h12
